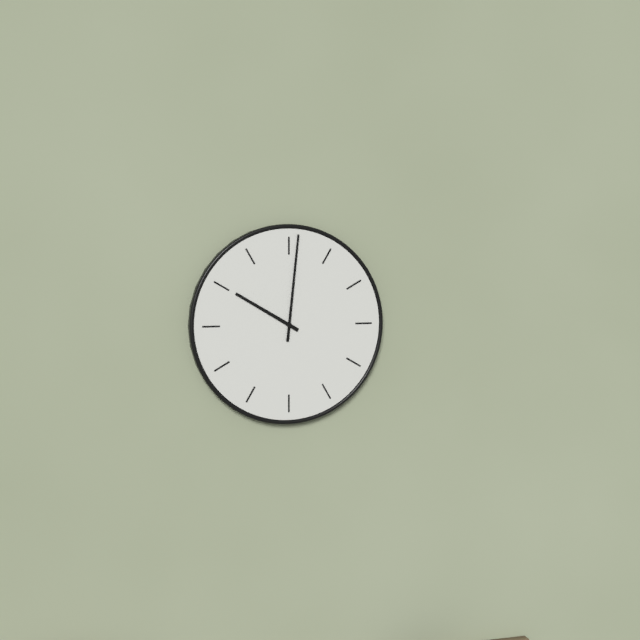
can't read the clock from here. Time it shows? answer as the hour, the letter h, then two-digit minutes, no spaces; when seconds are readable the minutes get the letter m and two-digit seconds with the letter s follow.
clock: 10h01
